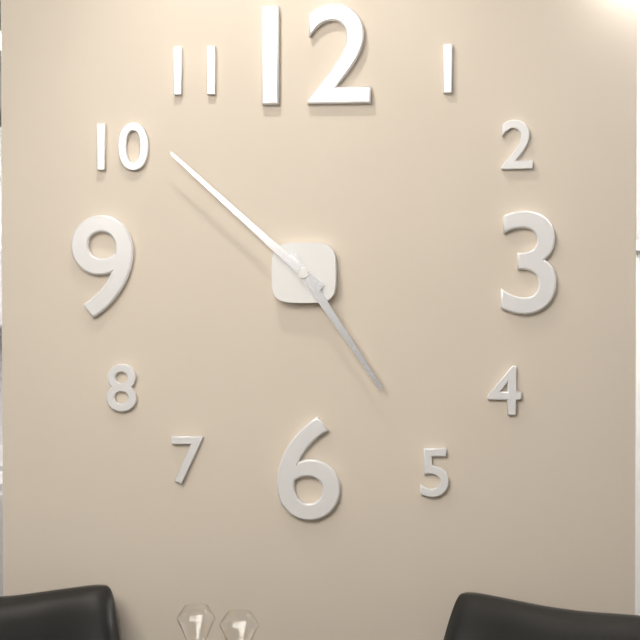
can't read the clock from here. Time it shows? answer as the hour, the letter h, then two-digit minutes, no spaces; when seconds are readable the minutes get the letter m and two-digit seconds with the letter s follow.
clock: 4h52
